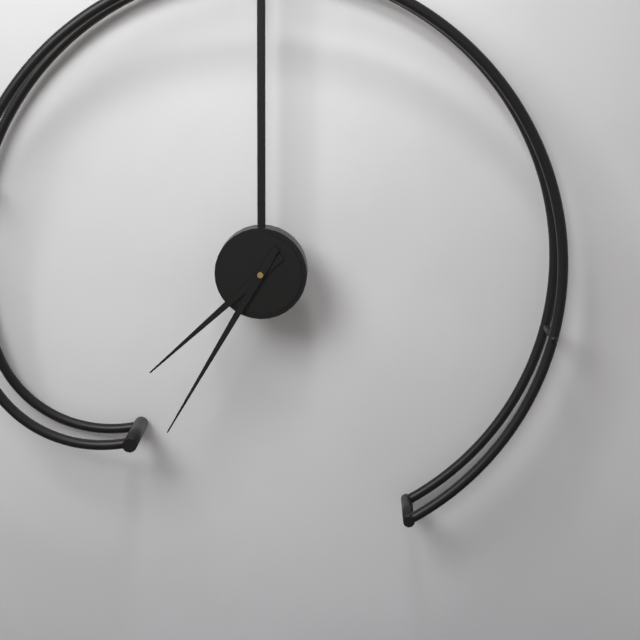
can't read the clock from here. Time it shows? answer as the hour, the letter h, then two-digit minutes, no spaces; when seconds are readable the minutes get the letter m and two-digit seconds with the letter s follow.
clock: 7h35
